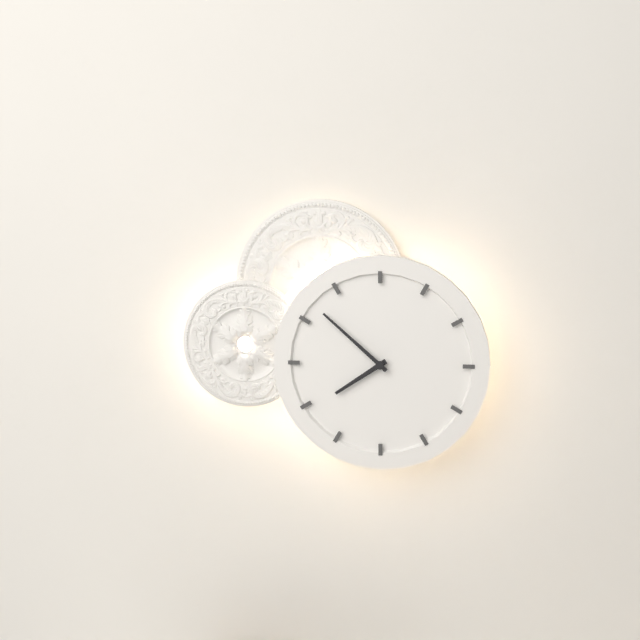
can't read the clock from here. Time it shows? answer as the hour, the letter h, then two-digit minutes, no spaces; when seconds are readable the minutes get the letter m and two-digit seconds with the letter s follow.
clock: 7h52
